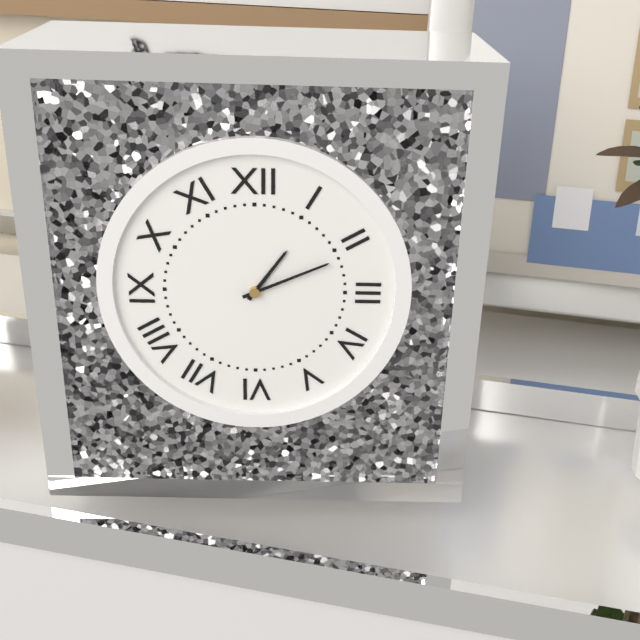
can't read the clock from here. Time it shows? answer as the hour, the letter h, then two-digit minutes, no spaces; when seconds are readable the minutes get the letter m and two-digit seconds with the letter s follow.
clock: 1h11
